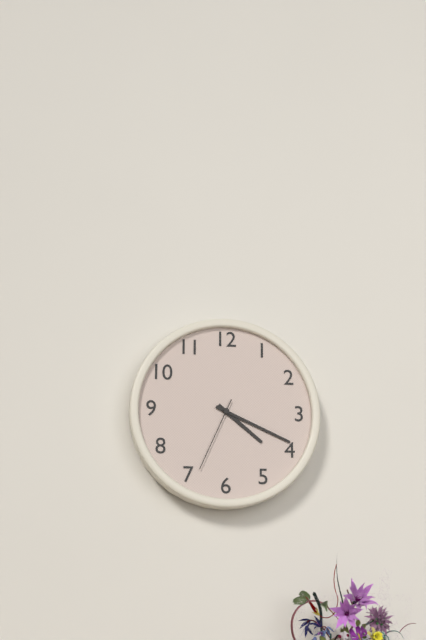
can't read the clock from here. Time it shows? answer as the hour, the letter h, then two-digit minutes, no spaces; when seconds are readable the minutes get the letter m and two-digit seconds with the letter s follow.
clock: 4h19m34s
